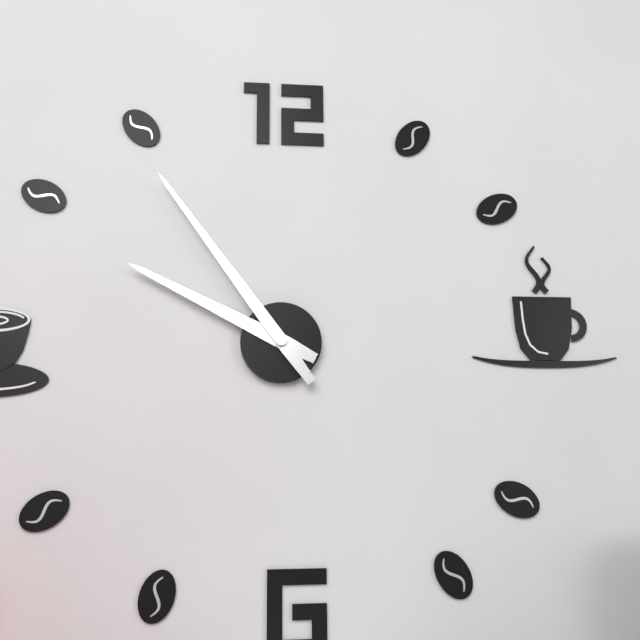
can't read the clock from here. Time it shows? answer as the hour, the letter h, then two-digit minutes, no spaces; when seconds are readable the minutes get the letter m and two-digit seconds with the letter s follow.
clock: 9h54
